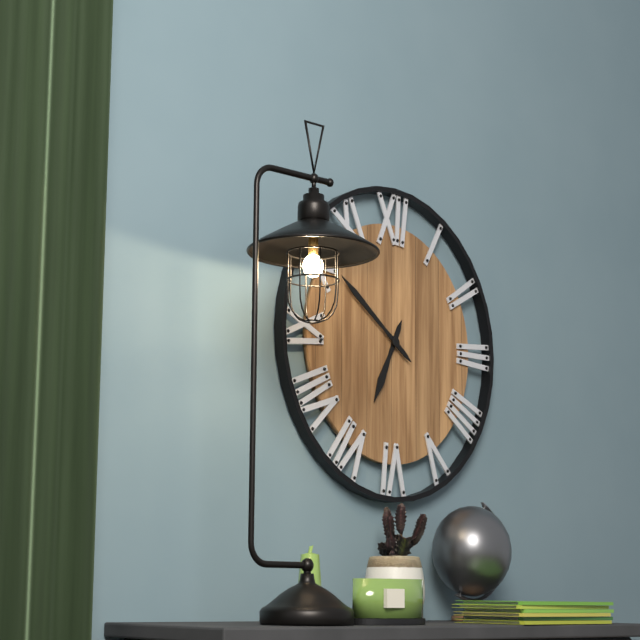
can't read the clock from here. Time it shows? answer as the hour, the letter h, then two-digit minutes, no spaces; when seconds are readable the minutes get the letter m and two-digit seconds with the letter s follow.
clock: 6h51
